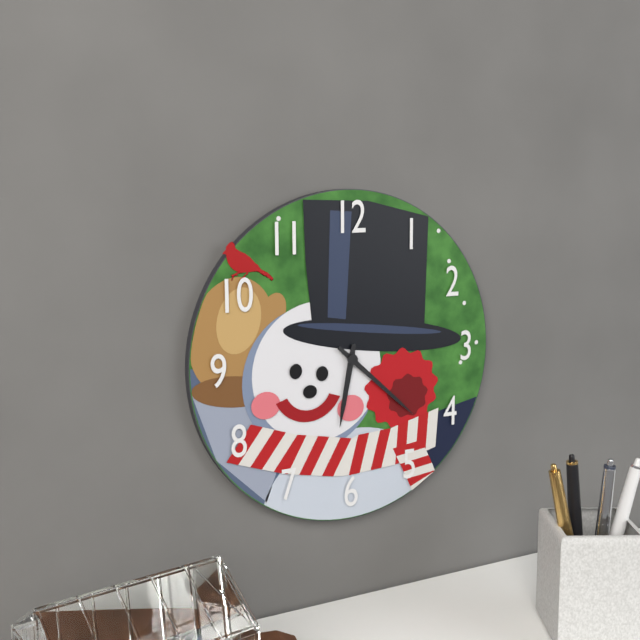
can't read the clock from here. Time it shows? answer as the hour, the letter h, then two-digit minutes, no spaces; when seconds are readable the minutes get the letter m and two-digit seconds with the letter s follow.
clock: 6h22
